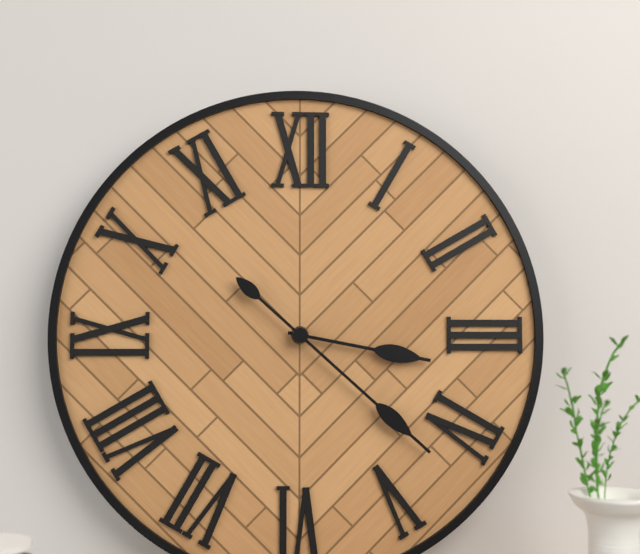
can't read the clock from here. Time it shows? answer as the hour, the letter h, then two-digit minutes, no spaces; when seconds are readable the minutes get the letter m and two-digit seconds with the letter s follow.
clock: 3h22
